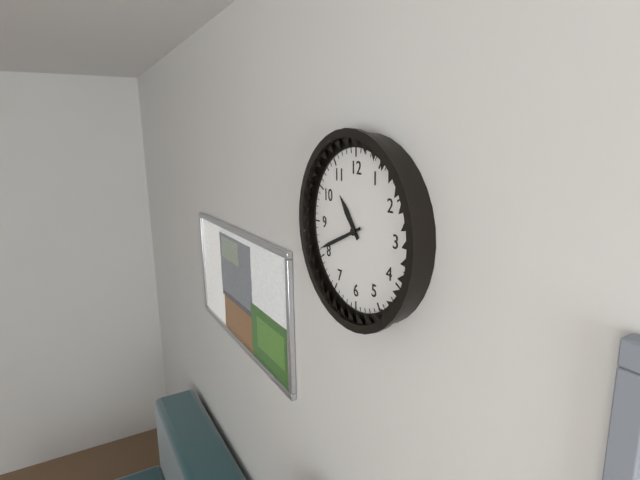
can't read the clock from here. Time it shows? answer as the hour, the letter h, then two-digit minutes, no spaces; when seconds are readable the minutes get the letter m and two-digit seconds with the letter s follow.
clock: 10h41
